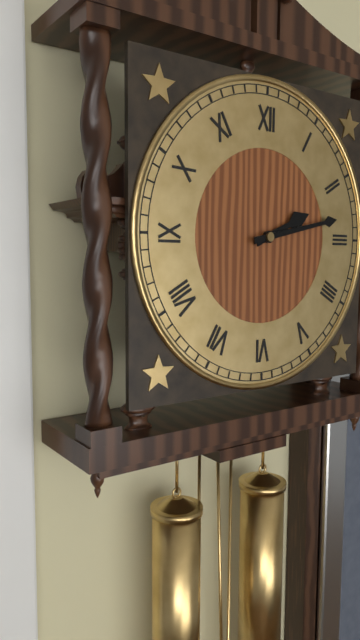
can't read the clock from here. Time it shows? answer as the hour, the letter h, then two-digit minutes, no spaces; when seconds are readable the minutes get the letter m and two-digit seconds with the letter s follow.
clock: 2h13
